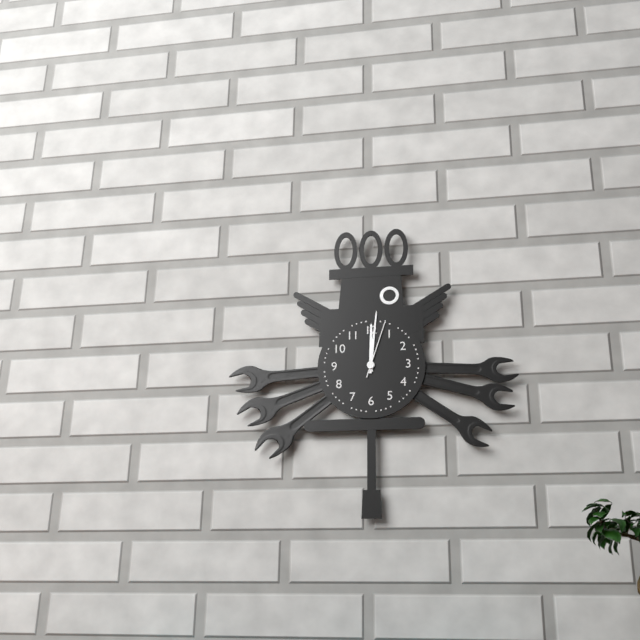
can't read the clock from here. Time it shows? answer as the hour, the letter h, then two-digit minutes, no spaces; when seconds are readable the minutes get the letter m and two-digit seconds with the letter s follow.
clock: 12h01m03s
